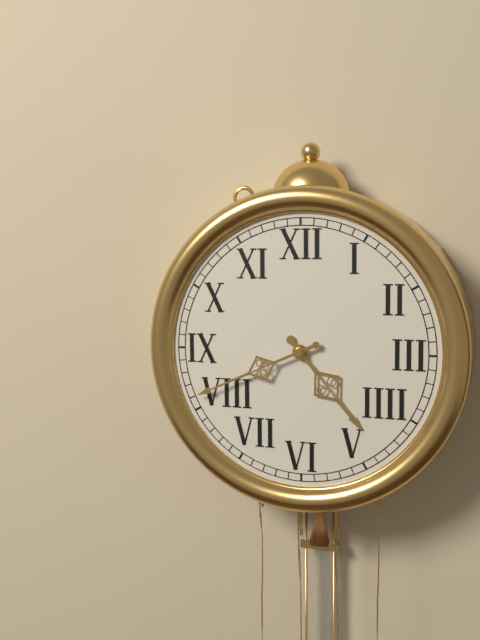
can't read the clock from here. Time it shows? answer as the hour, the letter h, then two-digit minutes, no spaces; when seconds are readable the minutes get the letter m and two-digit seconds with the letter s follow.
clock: 4h41
